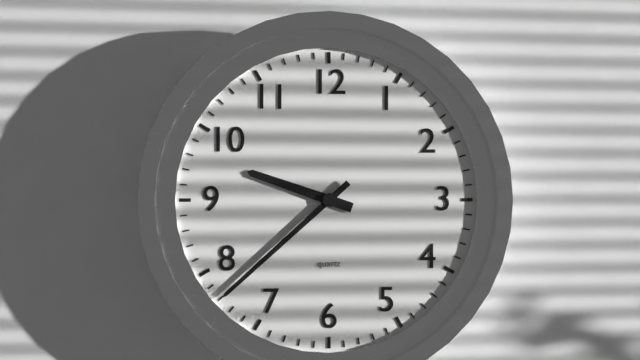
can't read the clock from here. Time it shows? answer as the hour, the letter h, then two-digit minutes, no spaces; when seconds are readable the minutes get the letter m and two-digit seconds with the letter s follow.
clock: 9h38
